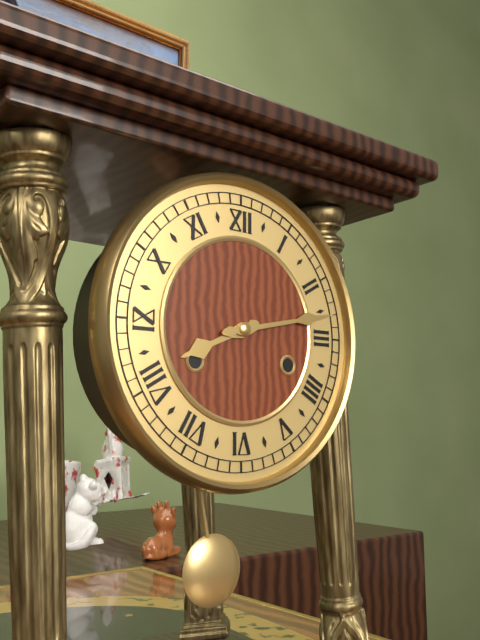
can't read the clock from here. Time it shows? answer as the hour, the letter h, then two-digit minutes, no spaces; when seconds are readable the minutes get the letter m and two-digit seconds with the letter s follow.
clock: 8h13
